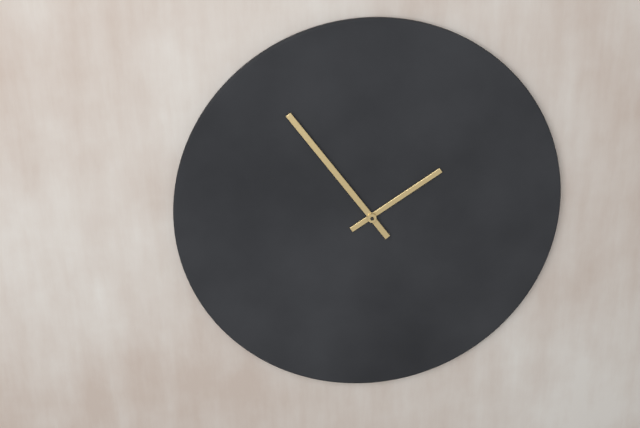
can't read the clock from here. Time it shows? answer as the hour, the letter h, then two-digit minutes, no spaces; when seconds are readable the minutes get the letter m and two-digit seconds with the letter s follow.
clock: 1h54
